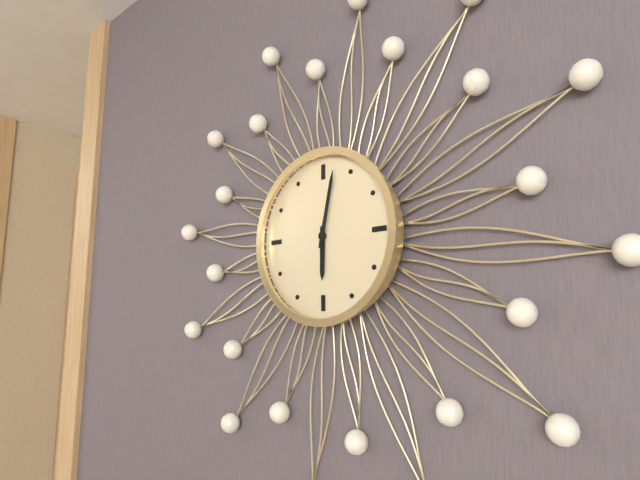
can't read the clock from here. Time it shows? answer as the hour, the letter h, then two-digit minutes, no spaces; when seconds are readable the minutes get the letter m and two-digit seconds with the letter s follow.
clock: 6h02
